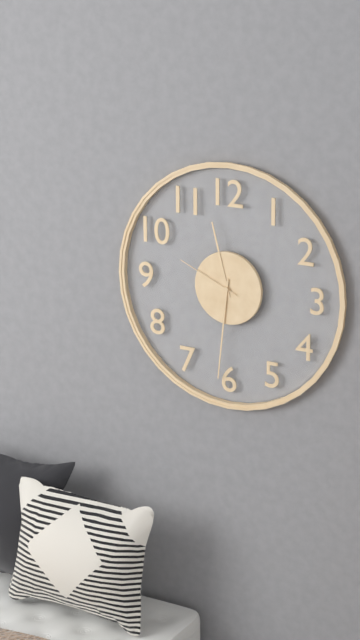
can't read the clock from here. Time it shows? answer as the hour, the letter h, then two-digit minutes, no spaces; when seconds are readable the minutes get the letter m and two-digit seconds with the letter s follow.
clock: 11h31m49s
